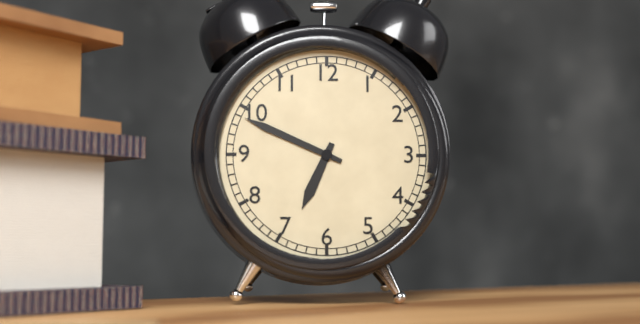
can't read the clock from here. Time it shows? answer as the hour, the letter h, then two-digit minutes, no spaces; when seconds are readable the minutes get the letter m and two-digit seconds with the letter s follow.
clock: 6h49
